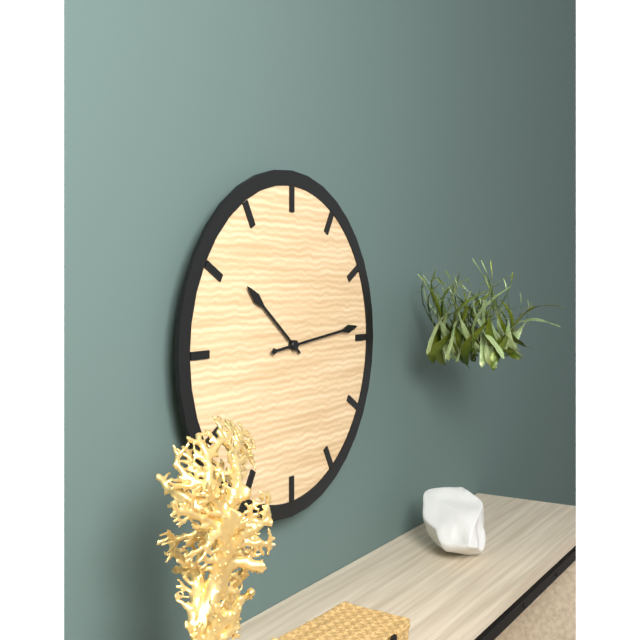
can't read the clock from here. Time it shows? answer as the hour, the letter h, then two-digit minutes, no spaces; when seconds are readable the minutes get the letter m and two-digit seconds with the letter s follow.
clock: 10h14
